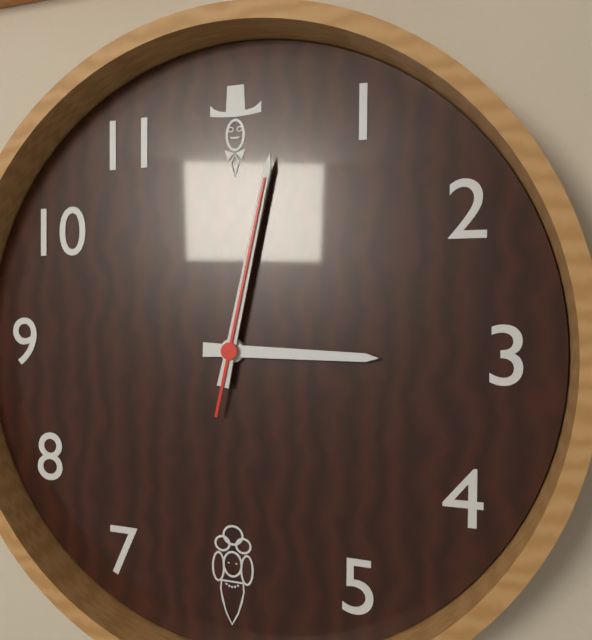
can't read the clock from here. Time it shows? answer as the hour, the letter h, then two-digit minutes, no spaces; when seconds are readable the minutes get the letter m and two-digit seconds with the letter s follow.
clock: 3h02m02s
